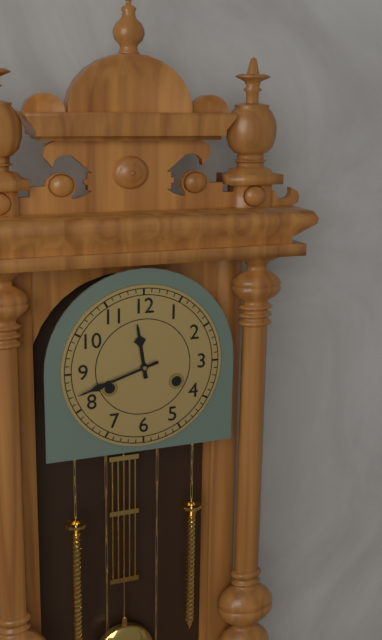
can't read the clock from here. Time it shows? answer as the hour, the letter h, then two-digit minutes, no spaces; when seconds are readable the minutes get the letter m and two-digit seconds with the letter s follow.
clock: 11h42
